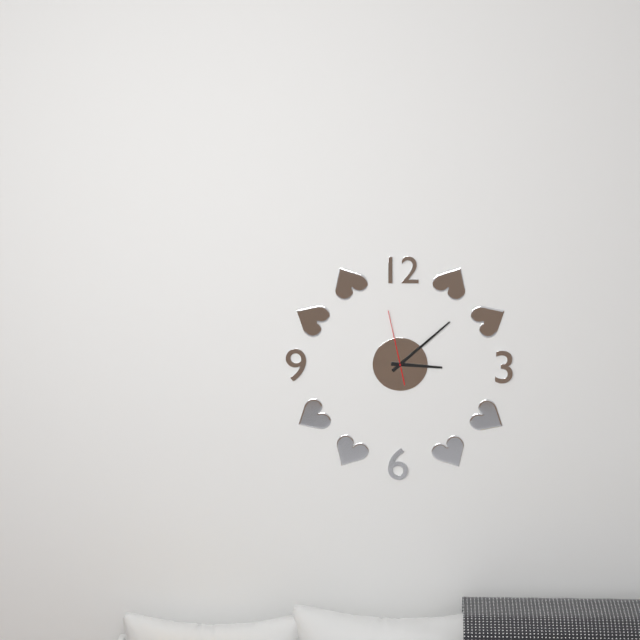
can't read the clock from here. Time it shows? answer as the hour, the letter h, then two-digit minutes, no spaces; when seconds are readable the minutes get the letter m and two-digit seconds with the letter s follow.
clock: 3h08m58s
